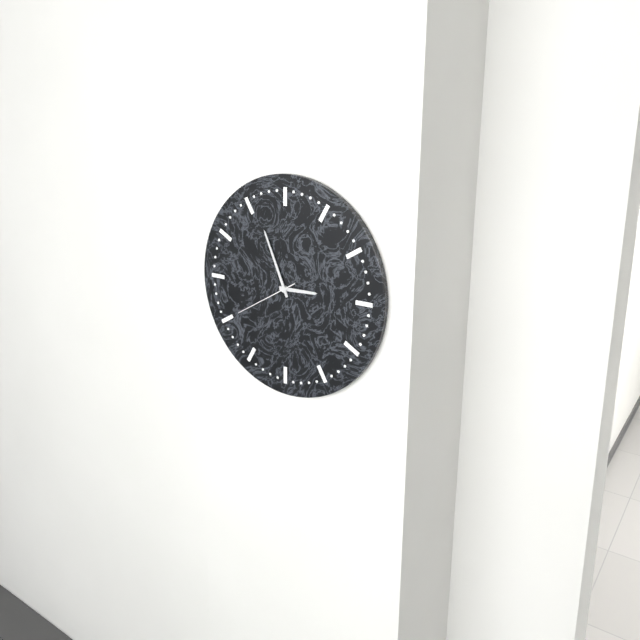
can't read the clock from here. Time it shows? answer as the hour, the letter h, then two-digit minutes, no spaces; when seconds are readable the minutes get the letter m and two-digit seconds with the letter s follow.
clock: 2h56m40s
